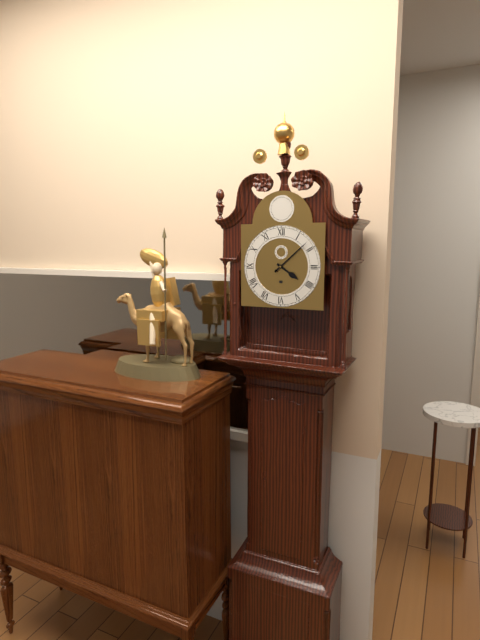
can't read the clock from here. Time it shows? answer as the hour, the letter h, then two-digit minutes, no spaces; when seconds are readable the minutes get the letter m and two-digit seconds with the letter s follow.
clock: 4h08
